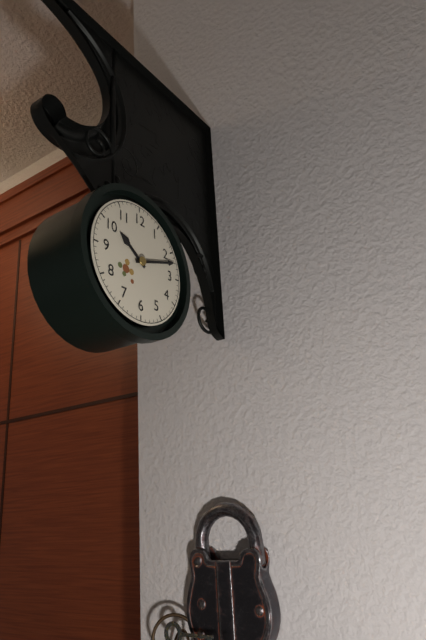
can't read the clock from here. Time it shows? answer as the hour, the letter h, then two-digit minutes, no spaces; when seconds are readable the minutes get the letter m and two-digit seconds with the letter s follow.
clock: 10h12
